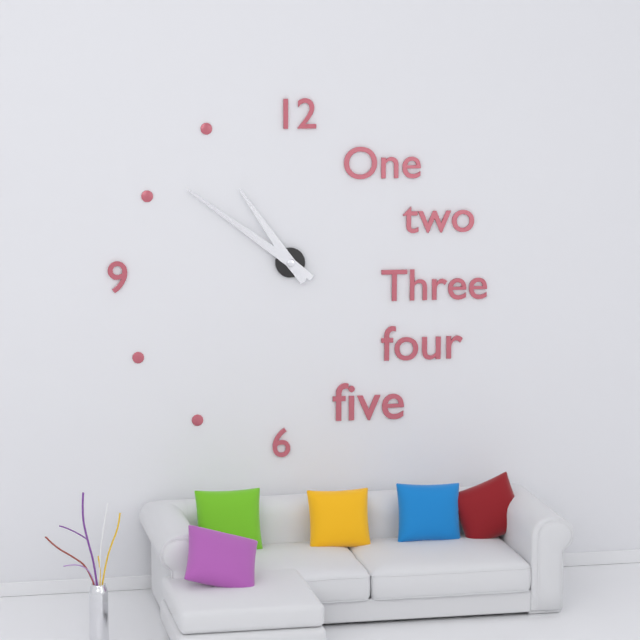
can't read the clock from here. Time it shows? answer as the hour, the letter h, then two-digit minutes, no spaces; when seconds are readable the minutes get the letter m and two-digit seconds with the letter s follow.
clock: 10h51
